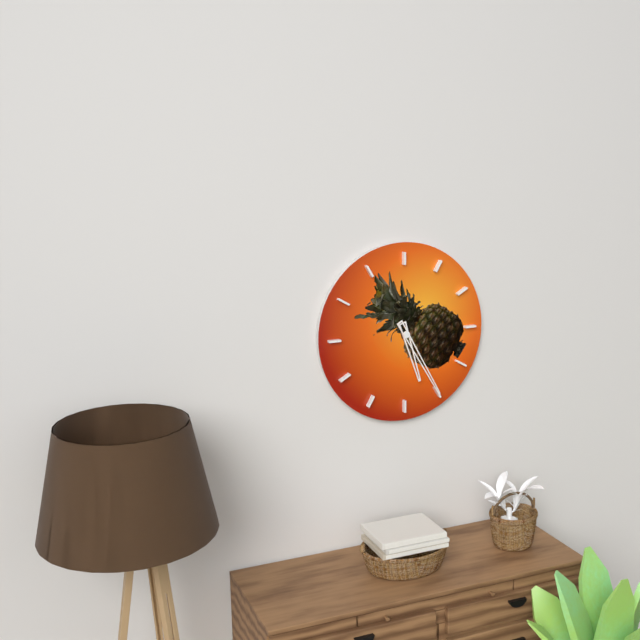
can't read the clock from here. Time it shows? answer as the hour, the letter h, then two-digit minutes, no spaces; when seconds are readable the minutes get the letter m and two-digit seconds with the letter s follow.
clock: 5h25
